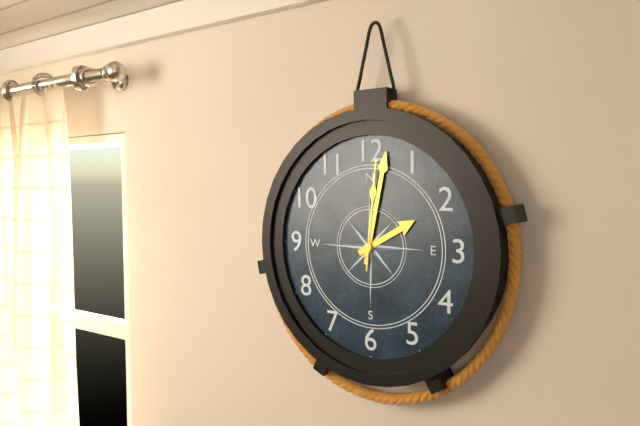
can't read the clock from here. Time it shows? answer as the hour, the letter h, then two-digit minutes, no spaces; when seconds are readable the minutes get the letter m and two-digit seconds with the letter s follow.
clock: 2h02m01s
